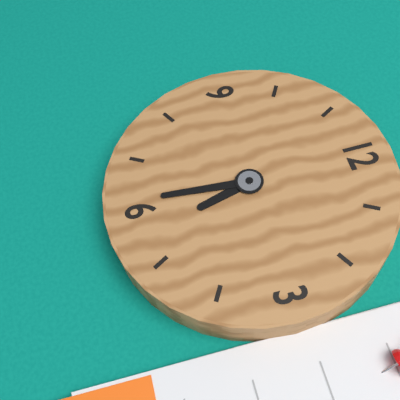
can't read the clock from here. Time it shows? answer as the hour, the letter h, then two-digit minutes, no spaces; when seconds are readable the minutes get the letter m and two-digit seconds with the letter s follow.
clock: 5h31
